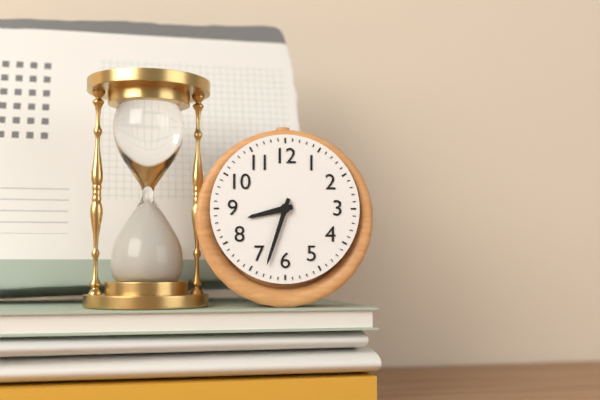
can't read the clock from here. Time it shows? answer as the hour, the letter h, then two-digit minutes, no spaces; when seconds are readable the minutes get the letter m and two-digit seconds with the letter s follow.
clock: 8h33
